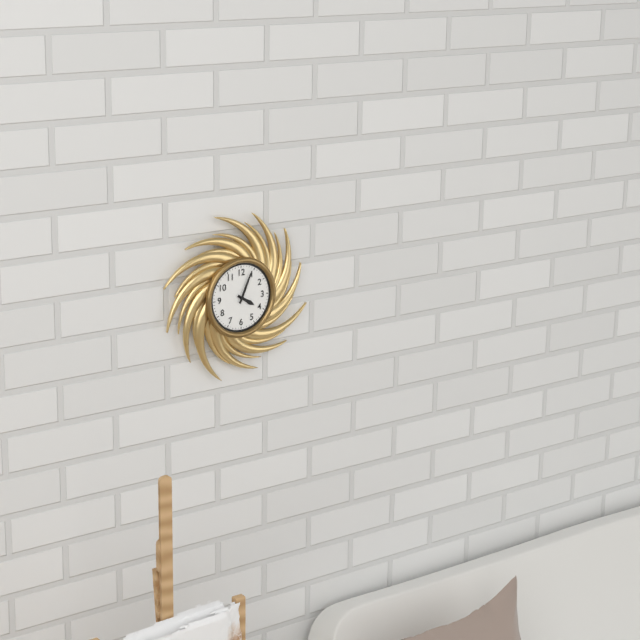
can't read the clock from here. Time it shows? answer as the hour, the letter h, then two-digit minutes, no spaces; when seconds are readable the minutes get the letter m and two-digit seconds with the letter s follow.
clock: 4h04
